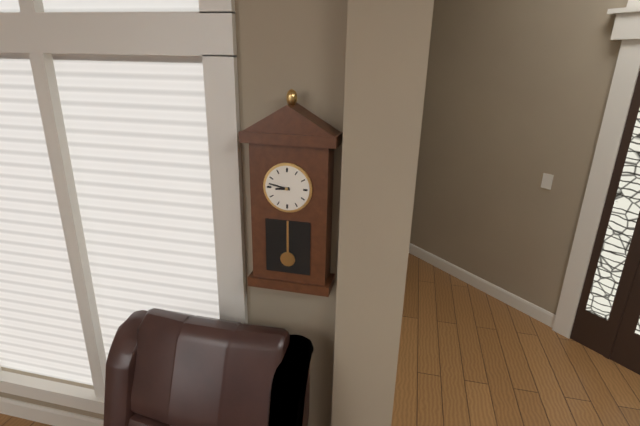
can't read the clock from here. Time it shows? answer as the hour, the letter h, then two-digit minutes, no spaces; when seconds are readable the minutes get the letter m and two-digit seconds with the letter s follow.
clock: 8h47
